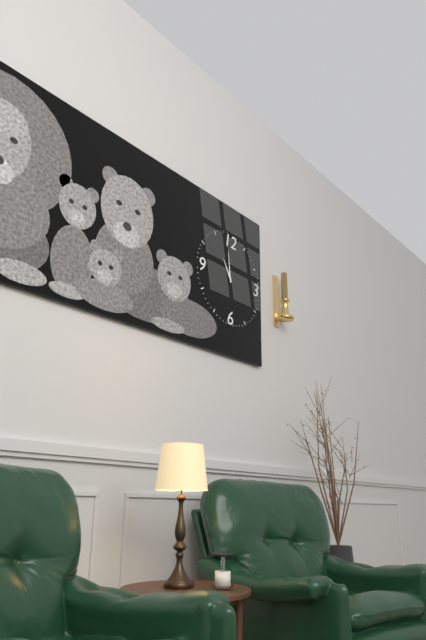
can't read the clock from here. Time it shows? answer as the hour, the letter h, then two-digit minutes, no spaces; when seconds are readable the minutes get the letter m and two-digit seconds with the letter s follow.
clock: 10h59
